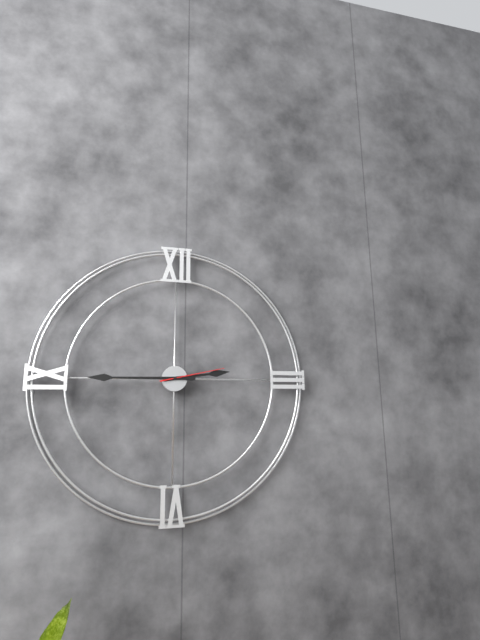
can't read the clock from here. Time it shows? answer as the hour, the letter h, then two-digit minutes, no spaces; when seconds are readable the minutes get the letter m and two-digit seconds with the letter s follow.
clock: 2h45m13s
